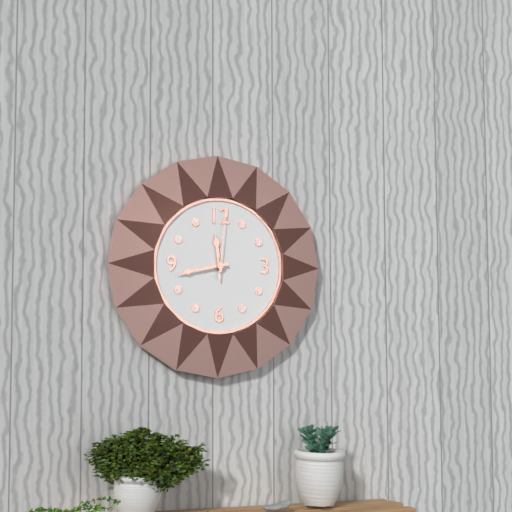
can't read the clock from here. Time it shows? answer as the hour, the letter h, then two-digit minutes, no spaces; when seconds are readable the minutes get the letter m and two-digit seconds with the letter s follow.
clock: 11h43m01s
